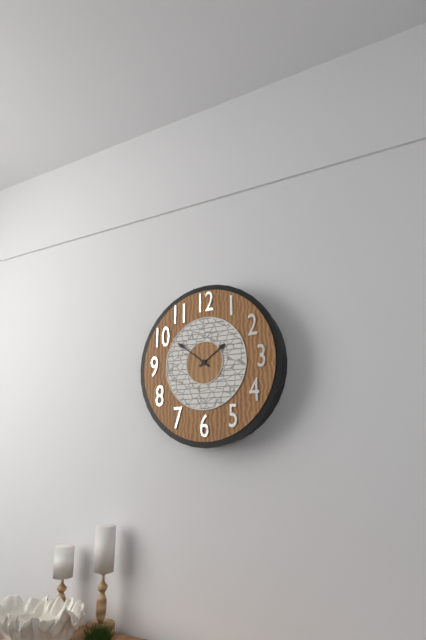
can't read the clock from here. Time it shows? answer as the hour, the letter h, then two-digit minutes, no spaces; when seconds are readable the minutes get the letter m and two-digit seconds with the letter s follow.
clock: 1h51
